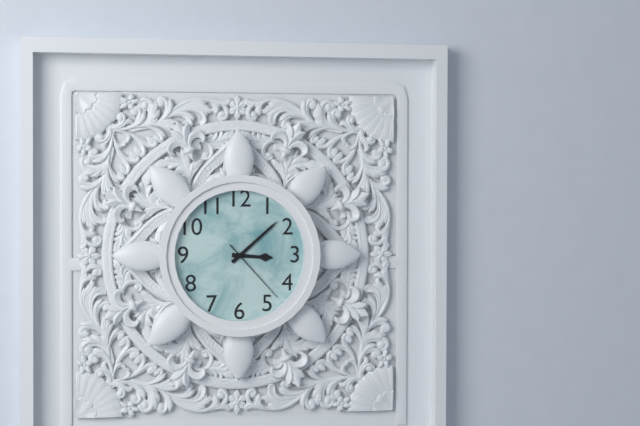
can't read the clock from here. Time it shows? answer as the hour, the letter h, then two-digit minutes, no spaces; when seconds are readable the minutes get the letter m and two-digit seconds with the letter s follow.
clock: 3h08m23s
